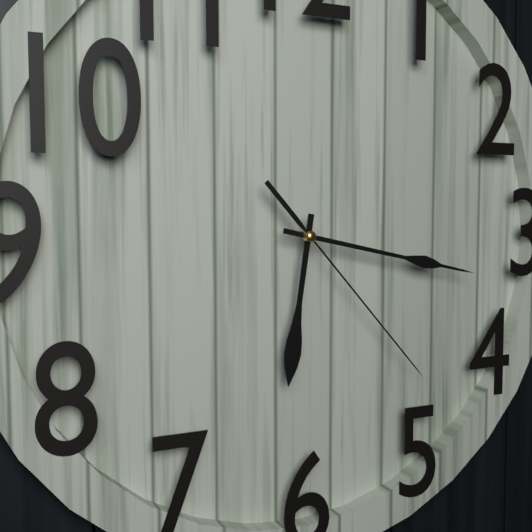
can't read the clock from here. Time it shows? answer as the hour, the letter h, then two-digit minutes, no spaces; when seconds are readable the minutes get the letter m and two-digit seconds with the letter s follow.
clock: 6h17m23s
